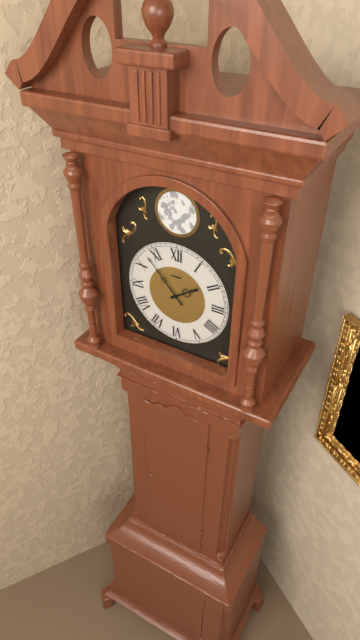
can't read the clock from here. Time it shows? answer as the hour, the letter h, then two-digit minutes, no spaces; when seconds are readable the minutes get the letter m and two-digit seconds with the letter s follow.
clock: 1h53
